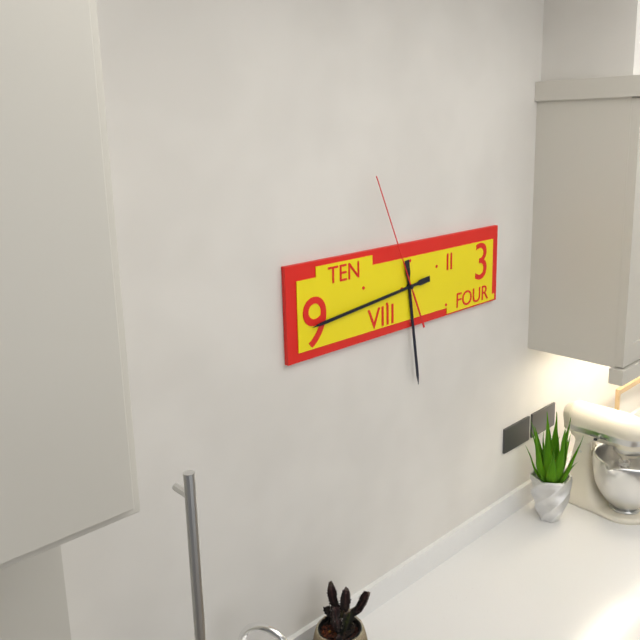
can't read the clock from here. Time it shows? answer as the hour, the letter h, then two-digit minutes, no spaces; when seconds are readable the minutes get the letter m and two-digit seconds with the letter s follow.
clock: 5h44m56s
